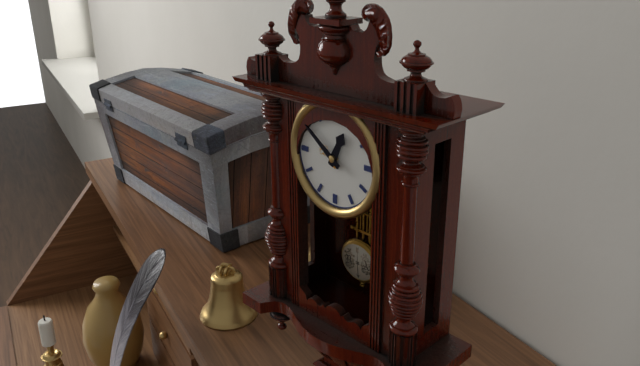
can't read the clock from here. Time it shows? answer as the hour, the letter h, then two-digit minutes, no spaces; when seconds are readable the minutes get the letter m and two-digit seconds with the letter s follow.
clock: 12h51
